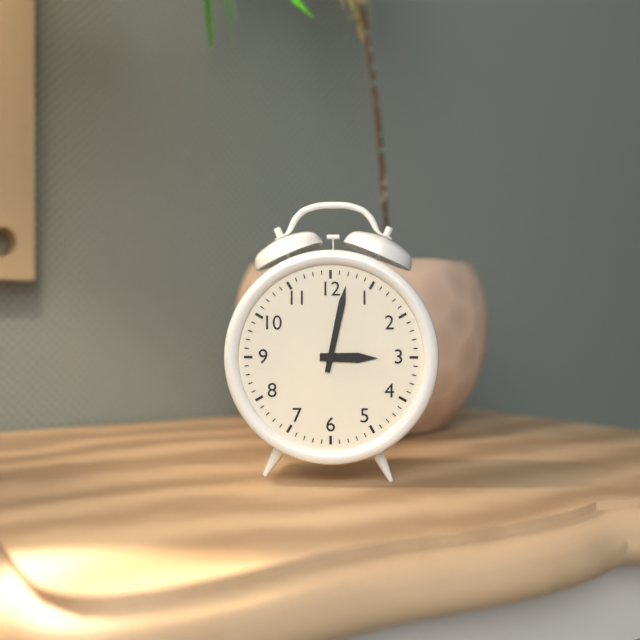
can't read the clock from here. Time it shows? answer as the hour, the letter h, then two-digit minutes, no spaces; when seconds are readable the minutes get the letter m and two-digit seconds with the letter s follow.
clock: 3h02
